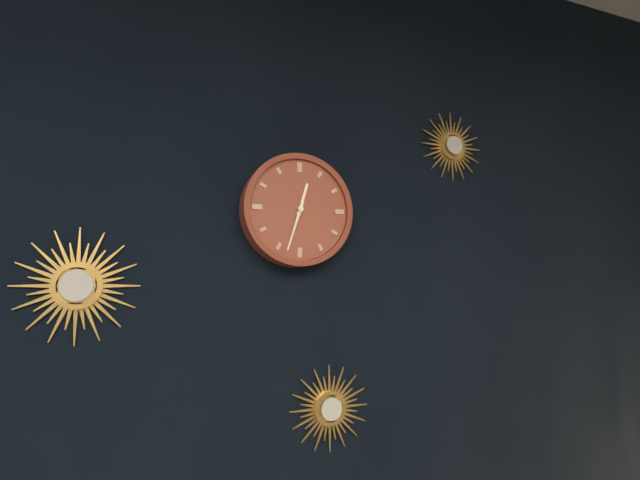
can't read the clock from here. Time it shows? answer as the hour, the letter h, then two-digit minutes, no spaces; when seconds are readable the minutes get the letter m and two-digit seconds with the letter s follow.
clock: 12h33
